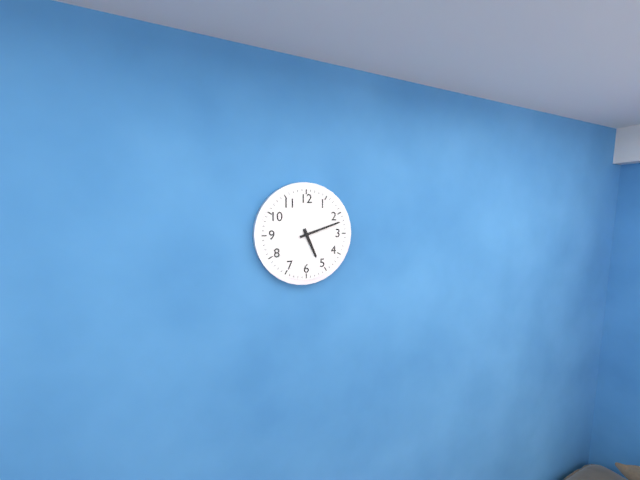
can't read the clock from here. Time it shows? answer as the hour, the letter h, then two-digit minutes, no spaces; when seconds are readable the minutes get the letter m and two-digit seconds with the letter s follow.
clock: 5h12
